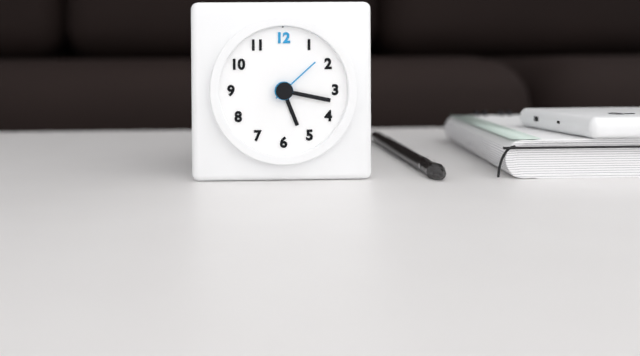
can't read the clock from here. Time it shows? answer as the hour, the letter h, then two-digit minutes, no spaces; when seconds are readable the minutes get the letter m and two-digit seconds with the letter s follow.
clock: 5h17m08s
